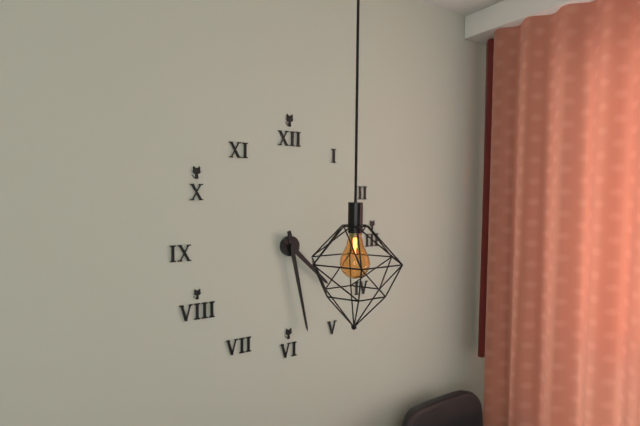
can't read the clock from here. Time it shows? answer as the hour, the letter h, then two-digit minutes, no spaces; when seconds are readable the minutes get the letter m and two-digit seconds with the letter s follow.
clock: 4h28
